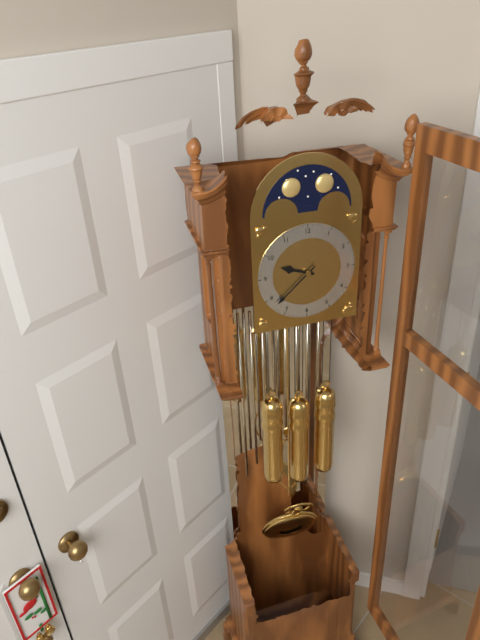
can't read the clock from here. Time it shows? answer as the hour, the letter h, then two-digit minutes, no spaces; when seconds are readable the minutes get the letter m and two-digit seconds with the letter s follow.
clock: 9h38
